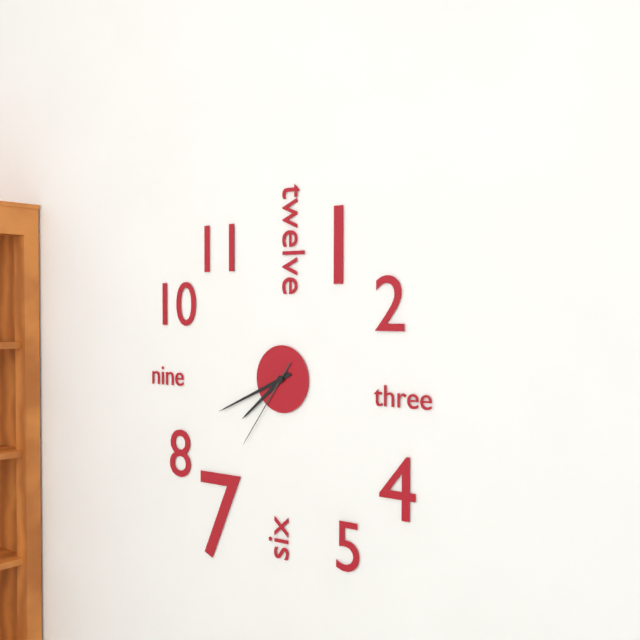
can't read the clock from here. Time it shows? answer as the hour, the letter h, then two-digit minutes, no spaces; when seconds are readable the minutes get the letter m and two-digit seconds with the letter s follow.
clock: 7h41m36s
